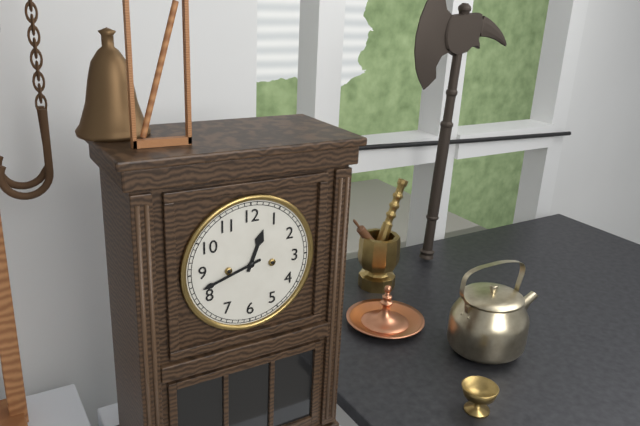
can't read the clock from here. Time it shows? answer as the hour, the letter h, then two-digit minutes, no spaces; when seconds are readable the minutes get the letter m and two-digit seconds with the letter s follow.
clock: 12h42
